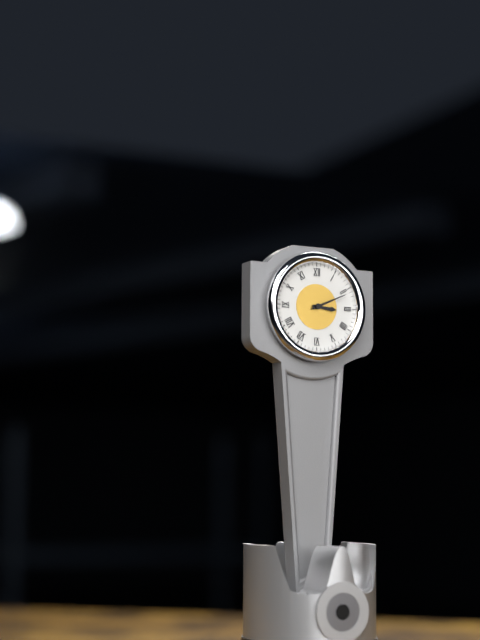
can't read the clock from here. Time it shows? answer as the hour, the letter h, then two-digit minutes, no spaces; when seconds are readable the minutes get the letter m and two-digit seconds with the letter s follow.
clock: 3h11
